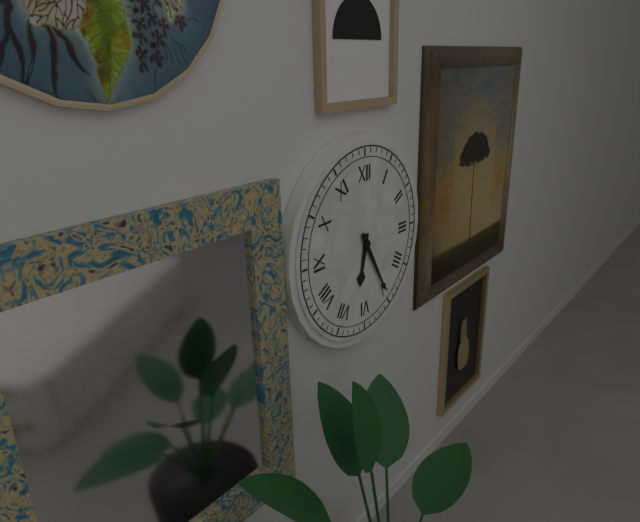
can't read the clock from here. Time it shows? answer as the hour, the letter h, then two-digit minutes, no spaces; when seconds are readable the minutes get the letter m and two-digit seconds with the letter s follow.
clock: 6h25
